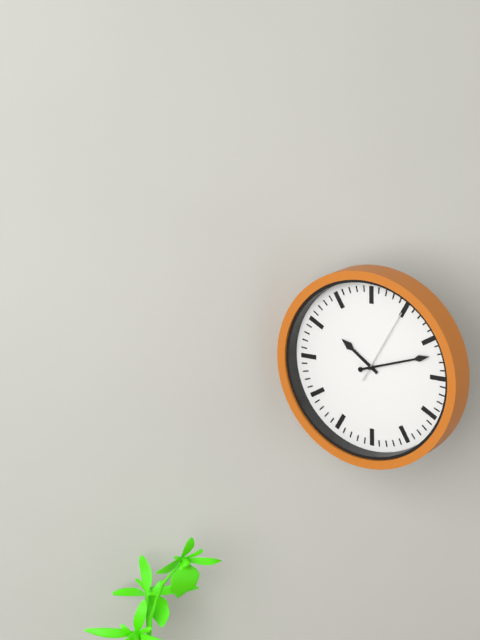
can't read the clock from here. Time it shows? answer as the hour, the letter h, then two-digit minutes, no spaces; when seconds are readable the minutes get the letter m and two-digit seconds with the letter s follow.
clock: 10h12m05s
